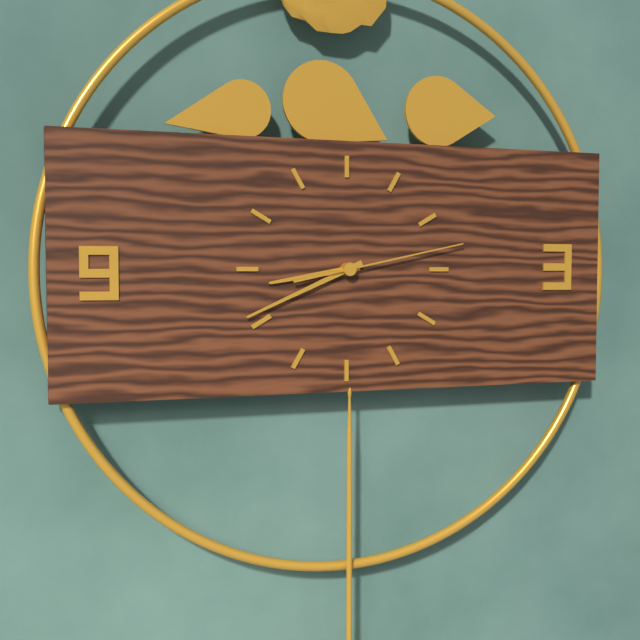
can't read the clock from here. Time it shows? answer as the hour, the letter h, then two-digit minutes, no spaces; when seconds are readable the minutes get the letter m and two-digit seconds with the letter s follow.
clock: 8h41m13s
